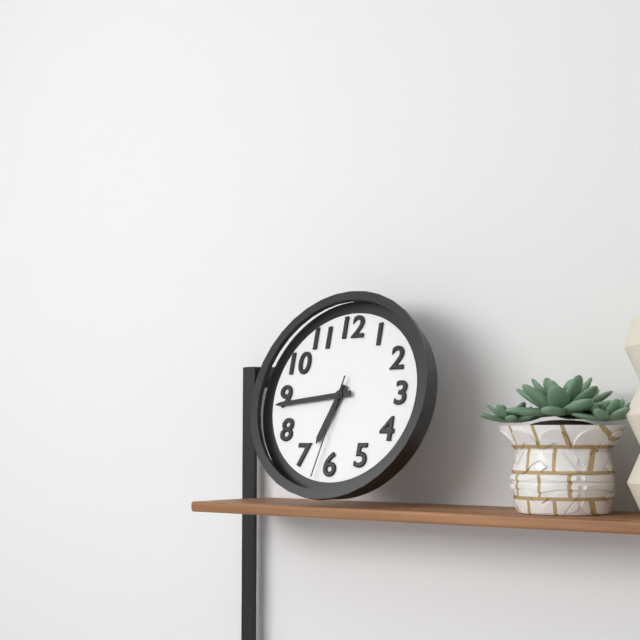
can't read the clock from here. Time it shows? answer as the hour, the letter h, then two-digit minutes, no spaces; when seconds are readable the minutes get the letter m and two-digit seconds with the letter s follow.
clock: 6h44m32s
